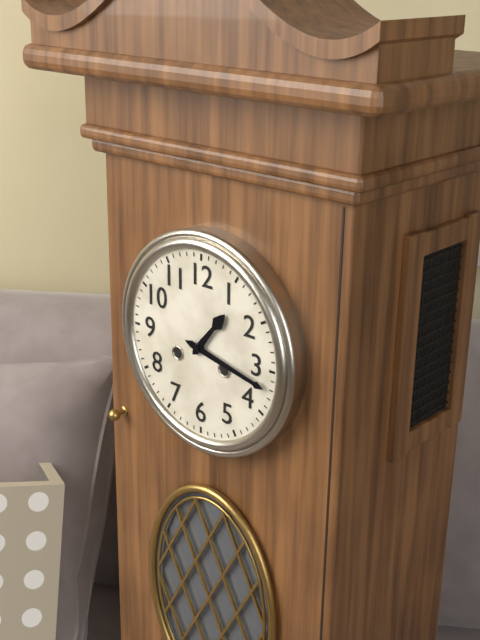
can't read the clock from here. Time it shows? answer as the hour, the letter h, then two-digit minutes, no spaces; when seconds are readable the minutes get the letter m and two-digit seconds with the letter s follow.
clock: 1h17
